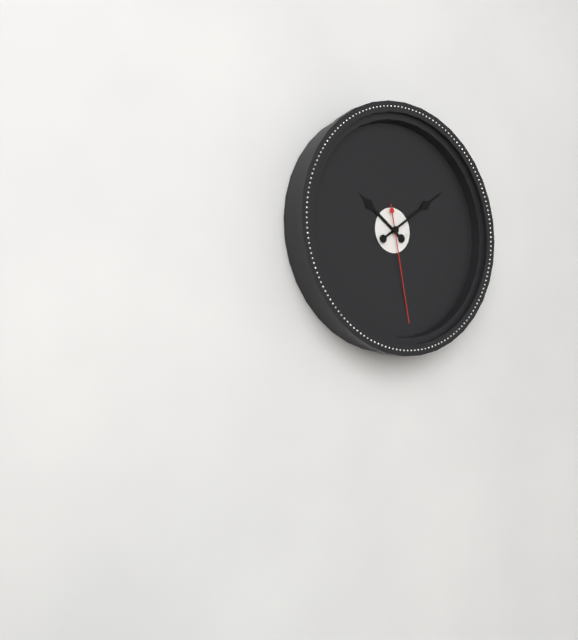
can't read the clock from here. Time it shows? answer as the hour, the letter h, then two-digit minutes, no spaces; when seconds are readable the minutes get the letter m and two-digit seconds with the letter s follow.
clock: 10h09m28s
